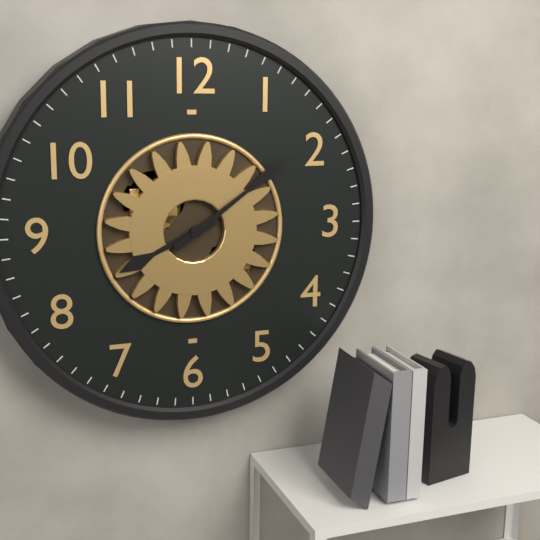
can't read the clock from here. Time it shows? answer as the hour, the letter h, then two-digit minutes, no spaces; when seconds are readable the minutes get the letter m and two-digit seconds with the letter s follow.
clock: 8h09
